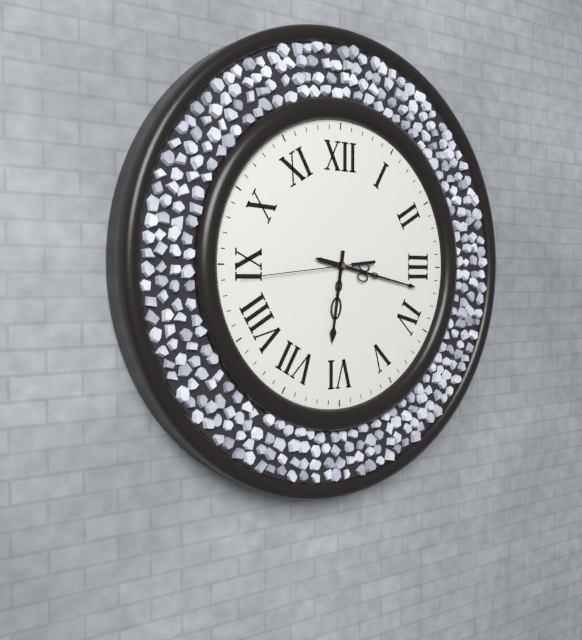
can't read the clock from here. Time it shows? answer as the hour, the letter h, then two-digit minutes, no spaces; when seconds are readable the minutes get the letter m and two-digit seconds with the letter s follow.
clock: 6h17m44s
